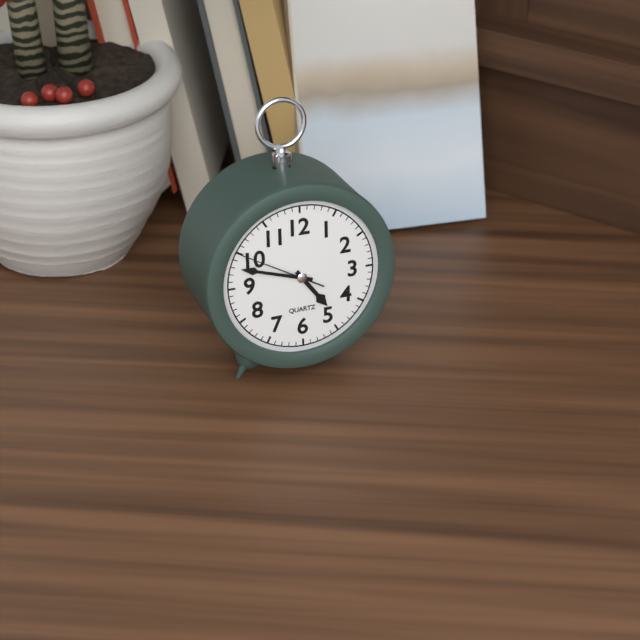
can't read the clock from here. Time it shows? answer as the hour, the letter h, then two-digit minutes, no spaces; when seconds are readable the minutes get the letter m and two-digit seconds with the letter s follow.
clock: 4h48m50s
